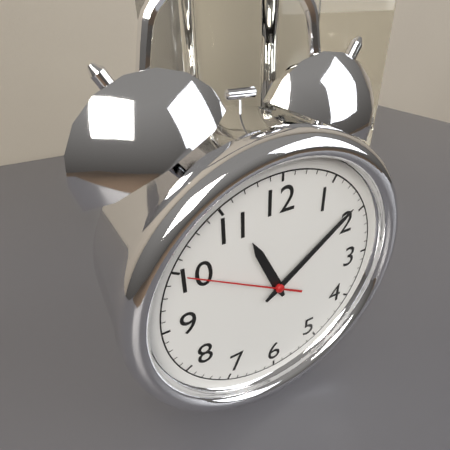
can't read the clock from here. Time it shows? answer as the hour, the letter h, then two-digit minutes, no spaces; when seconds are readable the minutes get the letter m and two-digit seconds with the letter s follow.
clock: 11h09m50s
